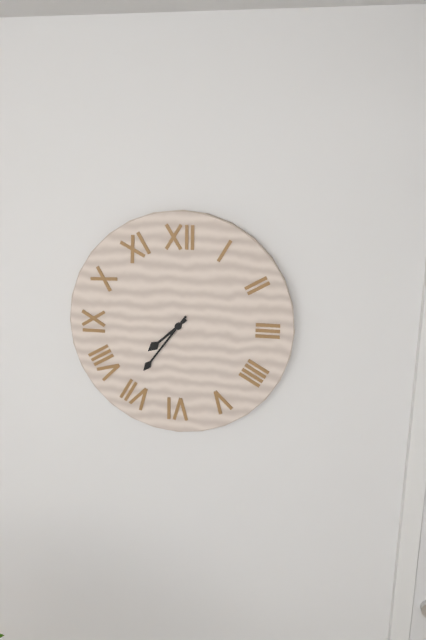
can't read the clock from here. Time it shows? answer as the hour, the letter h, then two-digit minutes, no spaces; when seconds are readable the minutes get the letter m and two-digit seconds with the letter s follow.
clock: 7h36
